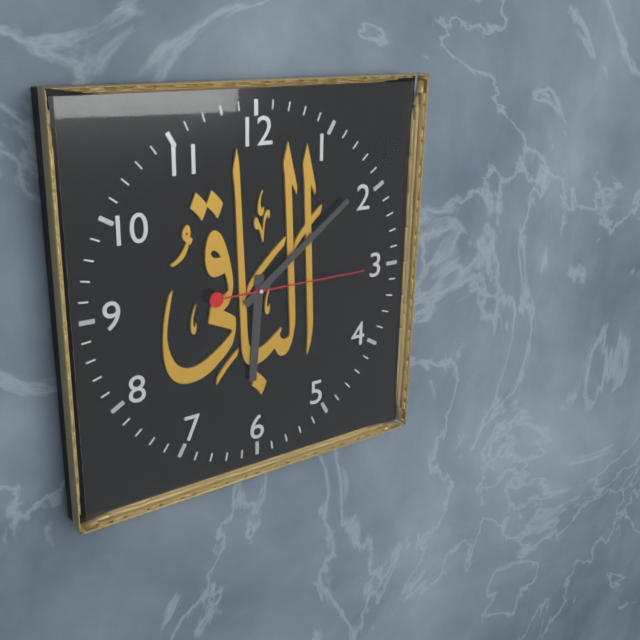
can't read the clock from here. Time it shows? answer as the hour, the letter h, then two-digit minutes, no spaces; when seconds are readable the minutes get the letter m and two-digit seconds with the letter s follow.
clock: 6h09m15s
